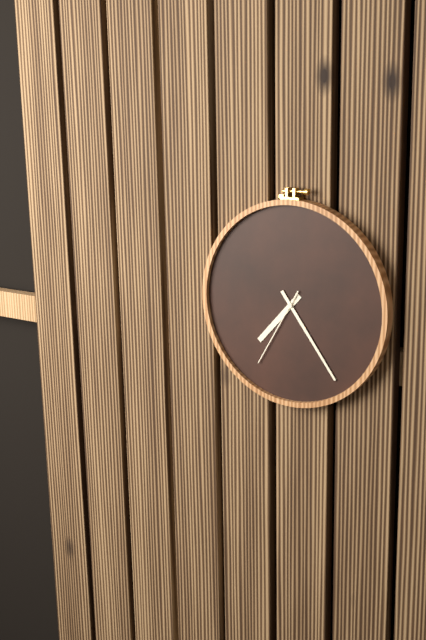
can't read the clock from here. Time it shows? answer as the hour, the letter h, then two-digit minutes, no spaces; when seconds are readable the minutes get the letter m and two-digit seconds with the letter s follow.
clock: 7h24m35s
